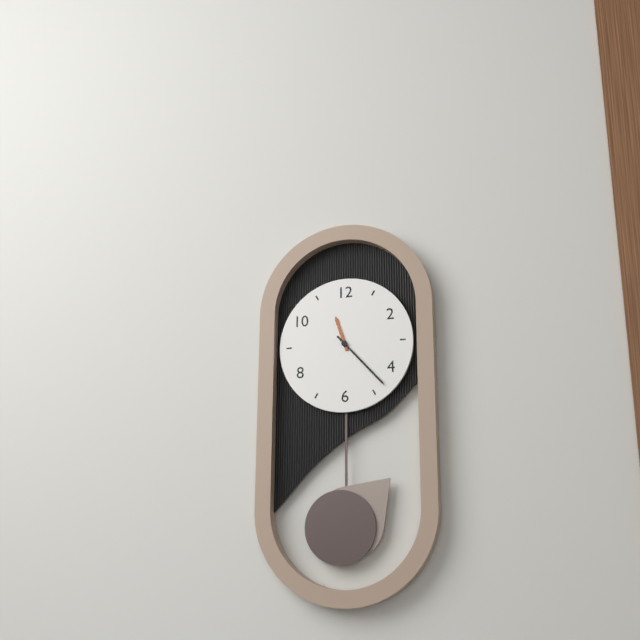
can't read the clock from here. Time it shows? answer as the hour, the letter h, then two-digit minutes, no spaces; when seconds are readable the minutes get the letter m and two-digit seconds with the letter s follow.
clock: 11h23
